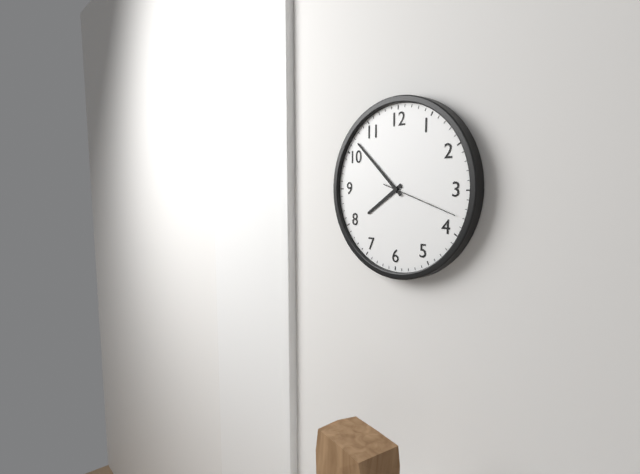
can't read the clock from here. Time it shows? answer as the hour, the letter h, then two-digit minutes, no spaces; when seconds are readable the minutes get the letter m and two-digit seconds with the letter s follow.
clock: 7h52m18s
